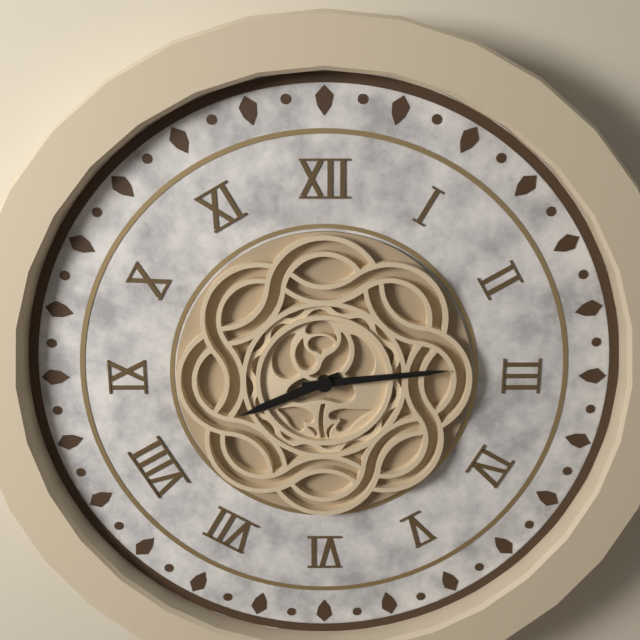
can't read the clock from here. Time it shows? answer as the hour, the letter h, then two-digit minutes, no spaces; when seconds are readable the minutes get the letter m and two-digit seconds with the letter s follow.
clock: 8h14
